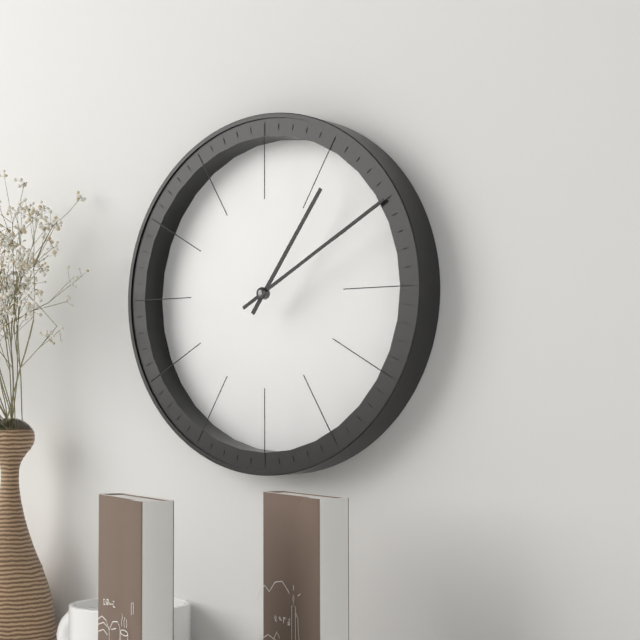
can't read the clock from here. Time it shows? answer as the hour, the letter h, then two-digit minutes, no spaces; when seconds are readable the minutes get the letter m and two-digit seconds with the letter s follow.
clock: 1h10
